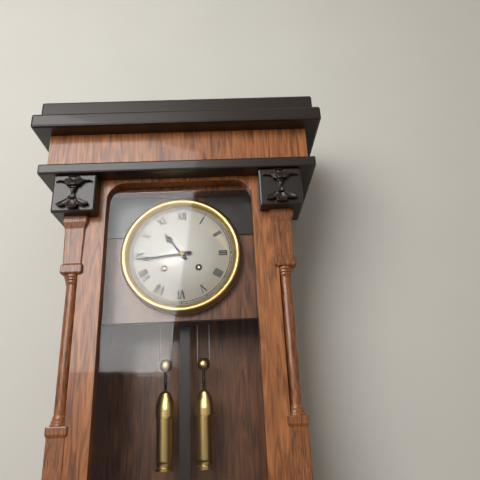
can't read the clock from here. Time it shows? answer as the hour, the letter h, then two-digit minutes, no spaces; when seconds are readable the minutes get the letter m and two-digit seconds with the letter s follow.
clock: 10h44
